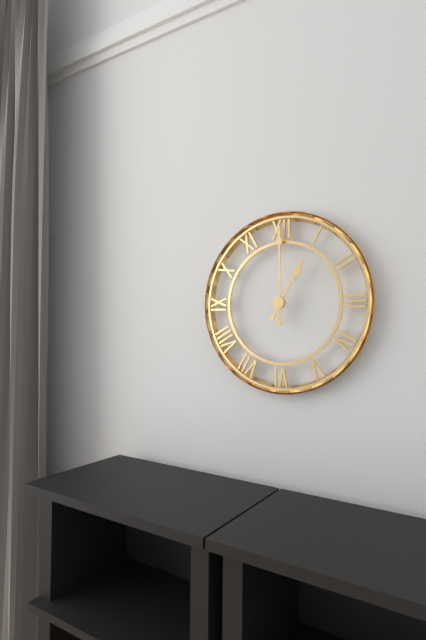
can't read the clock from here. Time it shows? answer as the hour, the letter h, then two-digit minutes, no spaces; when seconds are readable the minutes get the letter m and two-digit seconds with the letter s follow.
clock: 1h00
